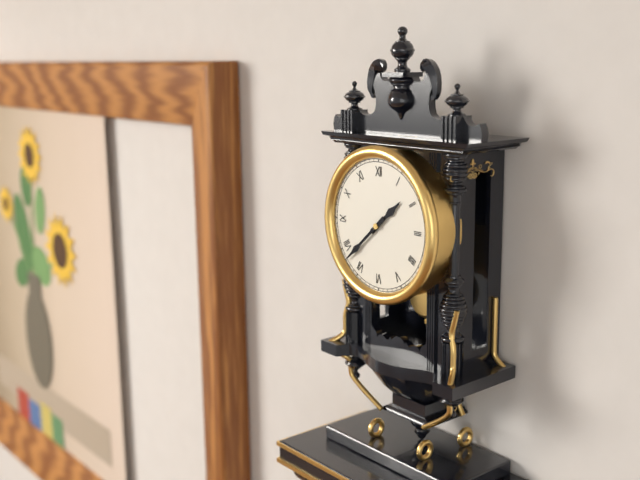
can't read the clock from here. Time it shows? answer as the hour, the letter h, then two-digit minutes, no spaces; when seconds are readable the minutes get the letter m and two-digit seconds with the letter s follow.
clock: 1h38
